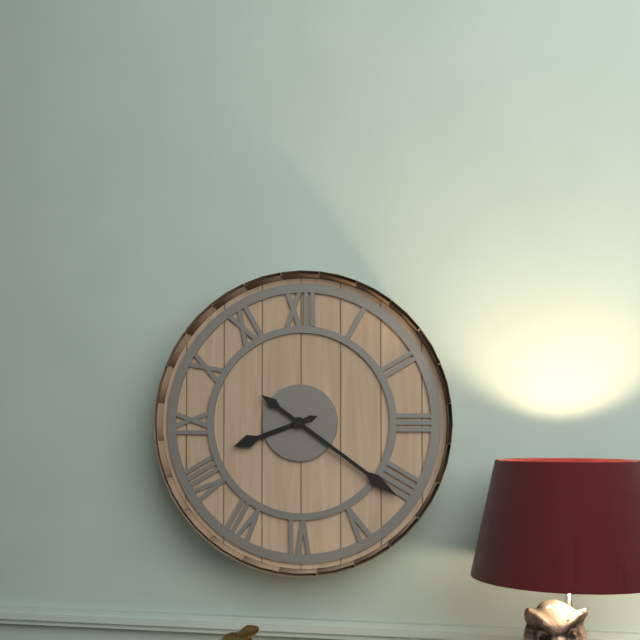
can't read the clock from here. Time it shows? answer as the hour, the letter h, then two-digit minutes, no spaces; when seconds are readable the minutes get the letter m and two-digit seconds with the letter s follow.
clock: 8h21
